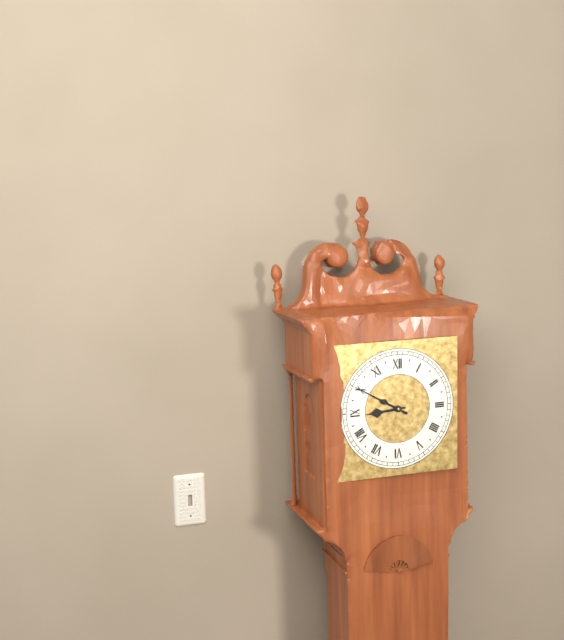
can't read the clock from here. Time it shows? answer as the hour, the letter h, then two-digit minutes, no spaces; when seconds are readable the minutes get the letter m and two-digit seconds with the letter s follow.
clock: 8h50
